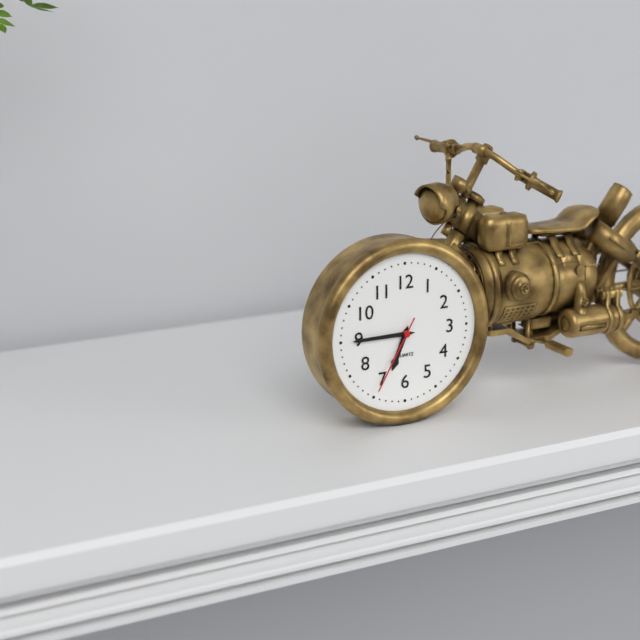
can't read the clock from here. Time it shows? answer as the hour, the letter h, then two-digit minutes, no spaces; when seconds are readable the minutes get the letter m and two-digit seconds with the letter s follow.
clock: 6h45m35s
